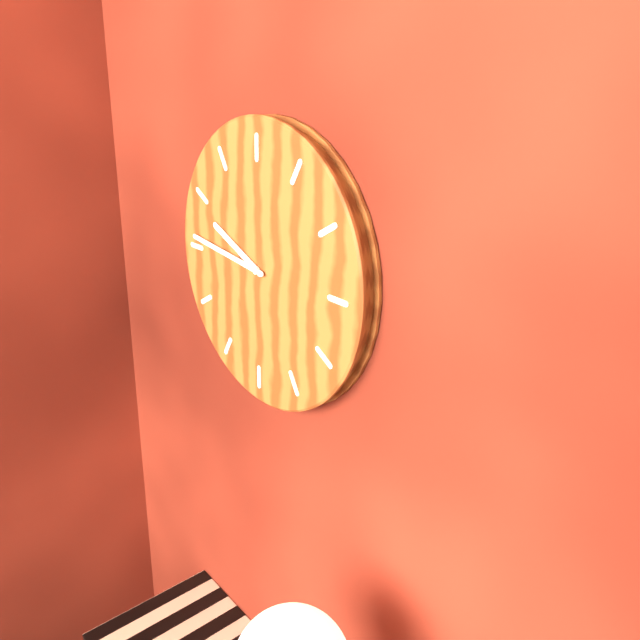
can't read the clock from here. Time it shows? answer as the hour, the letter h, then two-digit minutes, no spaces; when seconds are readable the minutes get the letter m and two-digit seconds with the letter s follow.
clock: 9h46
